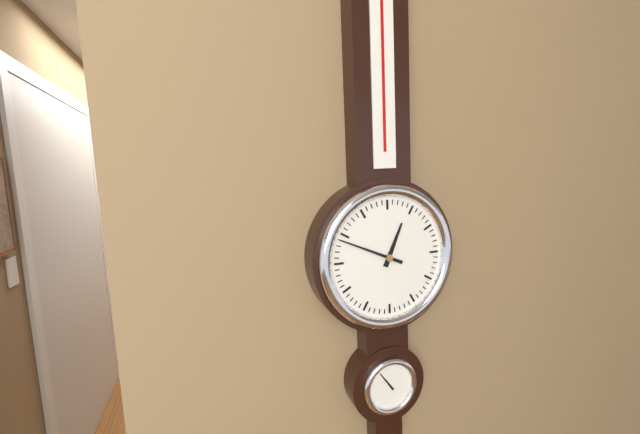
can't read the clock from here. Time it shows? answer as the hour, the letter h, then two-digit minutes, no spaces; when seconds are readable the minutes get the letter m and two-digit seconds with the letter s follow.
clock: 12h49
